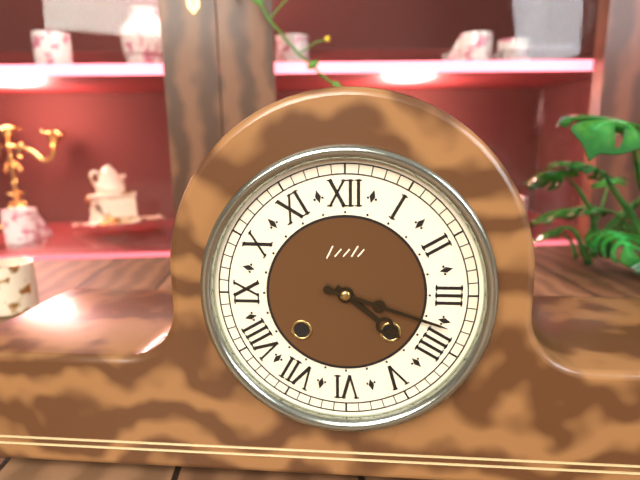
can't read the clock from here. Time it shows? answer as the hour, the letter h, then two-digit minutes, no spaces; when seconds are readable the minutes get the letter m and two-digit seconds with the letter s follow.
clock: 4h18
